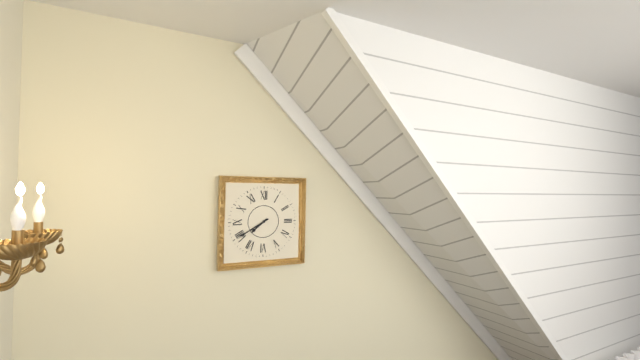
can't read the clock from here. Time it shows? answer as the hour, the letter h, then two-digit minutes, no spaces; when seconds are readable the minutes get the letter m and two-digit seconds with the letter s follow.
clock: 7h40
